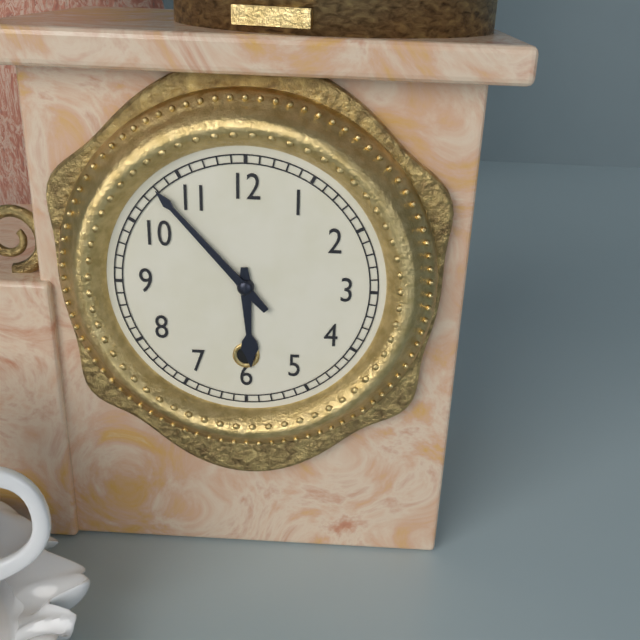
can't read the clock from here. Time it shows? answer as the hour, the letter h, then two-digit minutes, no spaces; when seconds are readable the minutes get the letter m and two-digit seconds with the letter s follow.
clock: 5h53
